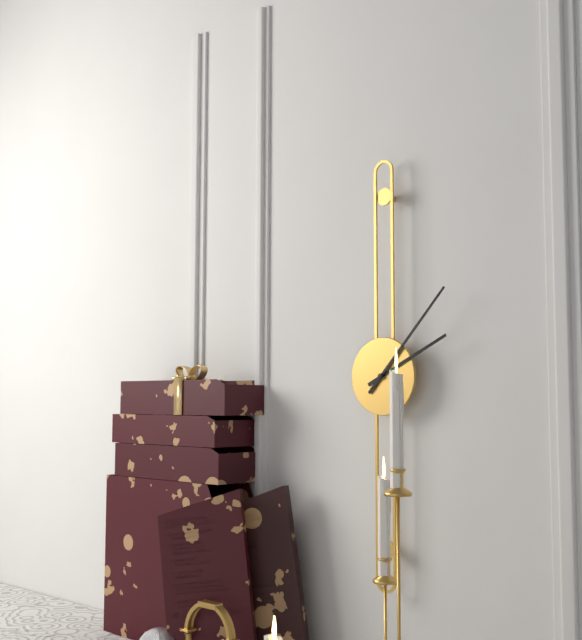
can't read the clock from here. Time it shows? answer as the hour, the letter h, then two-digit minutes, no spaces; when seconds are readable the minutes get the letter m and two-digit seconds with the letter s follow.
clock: 2h07
